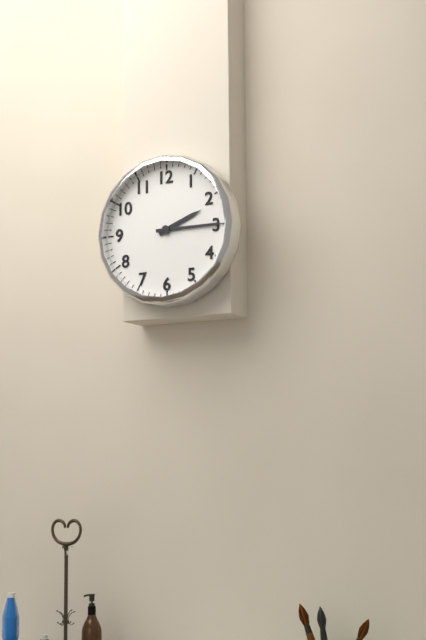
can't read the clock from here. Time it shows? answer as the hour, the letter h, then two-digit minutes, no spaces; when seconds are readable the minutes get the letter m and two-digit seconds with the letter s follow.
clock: 2h15
